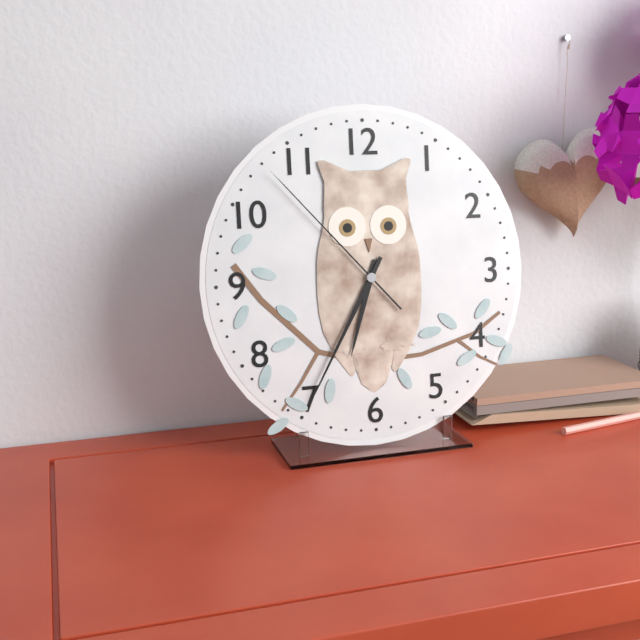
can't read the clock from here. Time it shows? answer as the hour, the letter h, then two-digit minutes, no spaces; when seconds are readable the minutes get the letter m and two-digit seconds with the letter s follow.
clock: 6h35m53s
